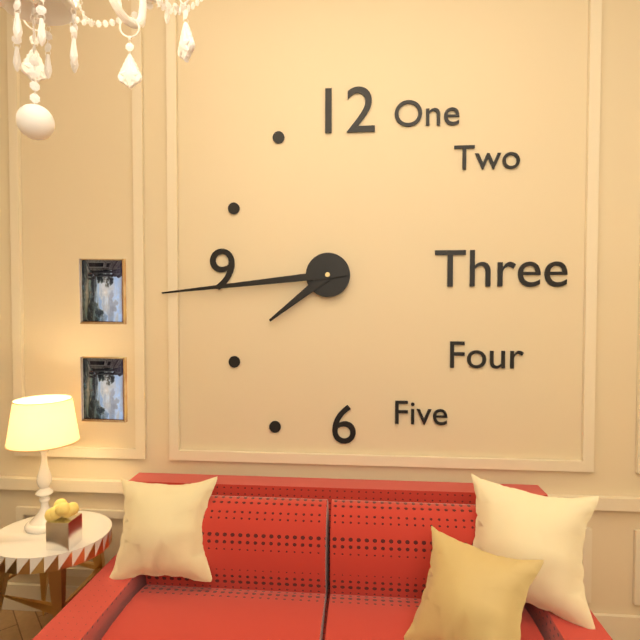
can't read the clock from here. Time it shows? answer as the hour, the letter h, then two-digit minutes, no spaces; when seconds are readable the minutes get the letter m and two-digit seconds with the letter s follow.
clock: 7h44
